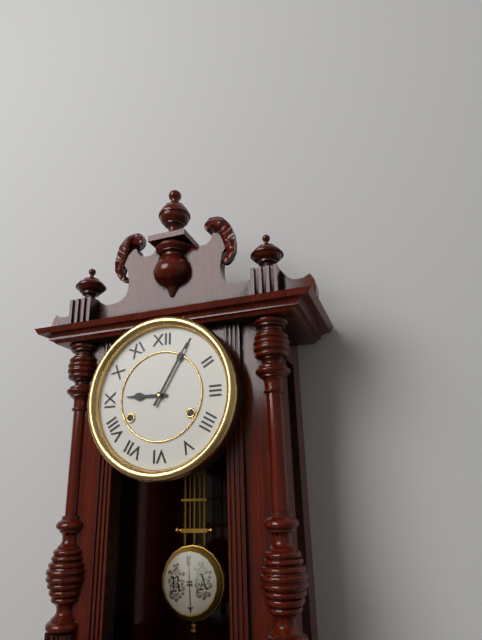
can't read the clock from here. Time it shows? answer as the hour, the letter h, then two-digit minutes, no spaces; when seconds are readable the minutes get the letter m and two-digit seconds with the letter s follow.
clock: 9h05
